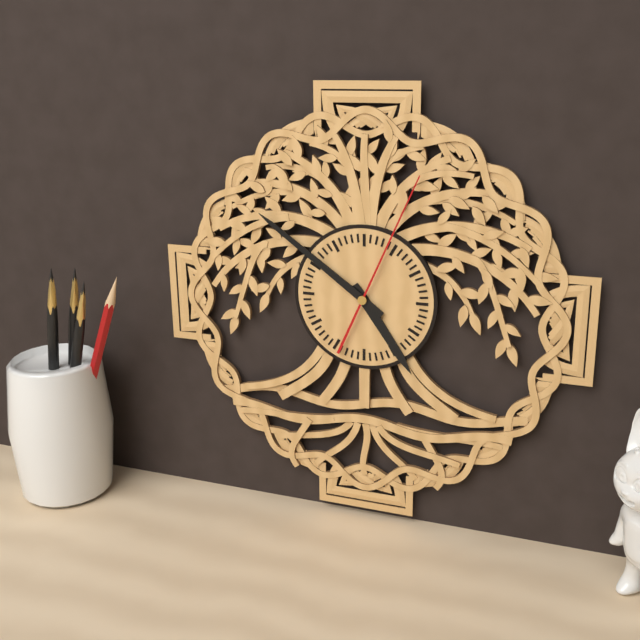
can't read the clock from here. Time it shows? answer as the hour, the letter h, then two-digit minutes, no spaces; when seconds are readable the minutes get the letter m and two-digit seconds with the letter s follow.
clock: 4h51m04s
